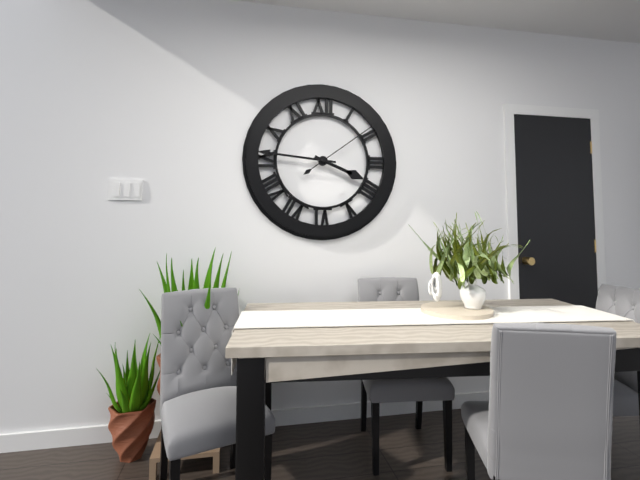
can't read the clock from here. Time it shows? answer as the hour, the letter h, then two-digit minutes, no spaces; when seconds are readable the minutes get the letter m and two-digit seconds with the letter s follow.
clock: 3h46m09s
